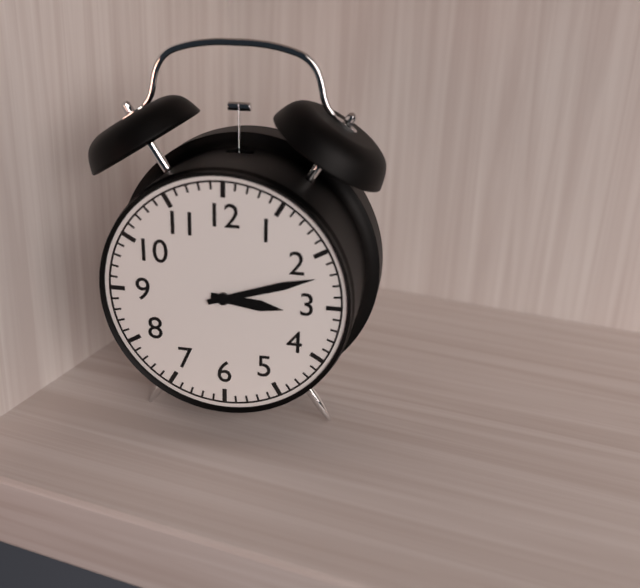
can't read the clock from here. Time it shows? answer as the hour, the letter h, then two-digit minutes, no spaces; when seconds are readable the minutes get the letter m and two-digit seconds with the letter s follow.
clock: 3h12
